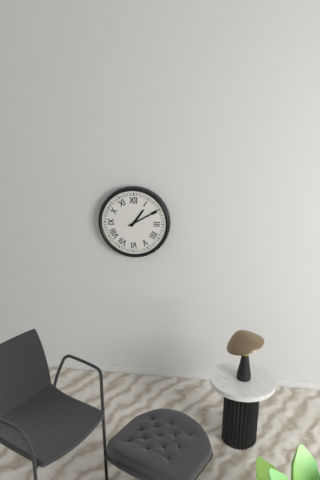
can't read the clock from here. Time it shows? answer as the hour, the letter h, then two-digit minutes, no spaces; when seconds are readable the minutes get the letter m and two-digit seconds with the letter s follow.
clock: 1h10
